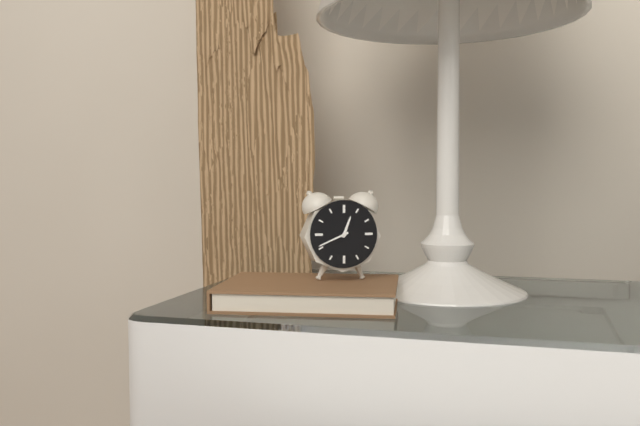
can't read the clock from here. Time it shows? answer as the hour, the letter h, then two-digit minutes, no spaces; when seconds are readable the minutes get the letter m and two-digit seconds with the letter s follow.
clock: 12h41
